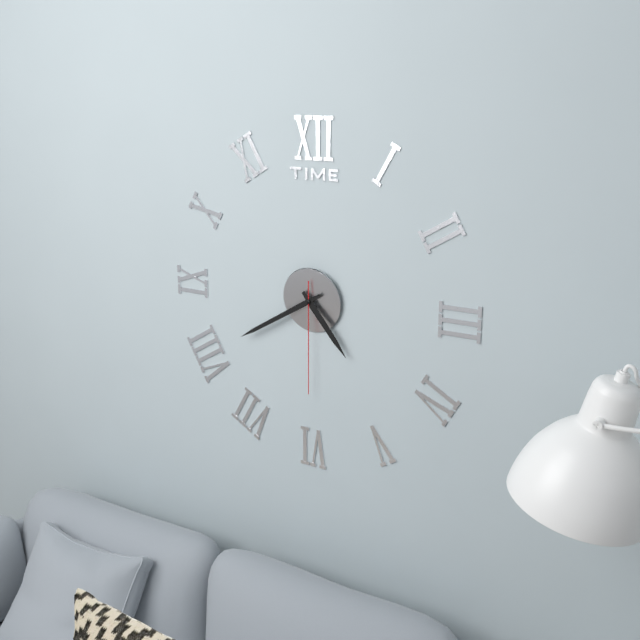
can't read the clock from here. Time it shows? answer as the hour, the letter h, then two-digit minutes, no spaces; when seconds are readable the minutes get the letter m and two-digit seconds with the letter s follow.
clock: 4h40m30s
